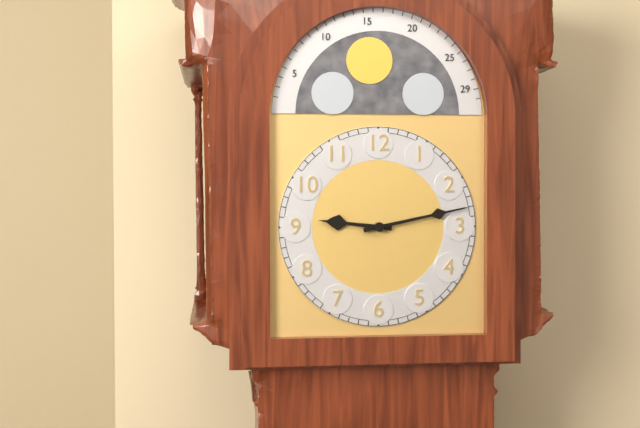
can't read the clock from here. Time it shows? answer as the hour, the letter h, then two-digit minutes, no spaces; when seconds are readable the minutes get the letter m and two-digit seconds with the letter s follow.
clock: 9h13
